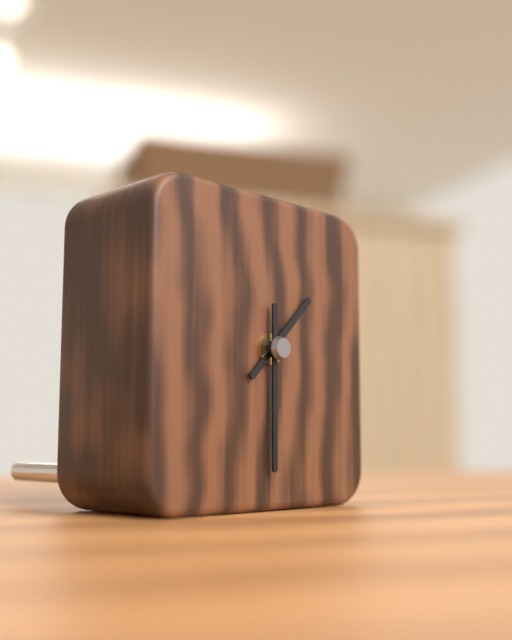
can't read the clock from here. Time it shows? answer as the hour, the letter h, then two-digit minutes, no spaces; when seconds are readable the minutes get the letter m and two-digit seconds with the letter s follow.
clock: 1h30
